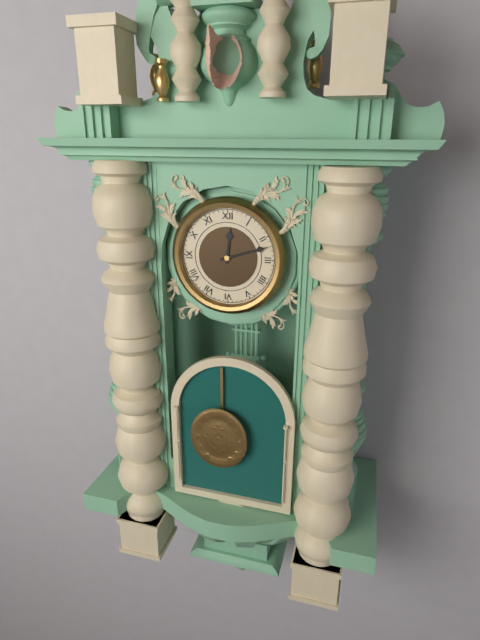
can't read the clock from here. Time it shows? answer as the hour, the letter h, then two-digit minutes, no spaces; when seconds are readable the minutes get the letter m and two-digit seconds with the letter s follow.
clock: 12h12
